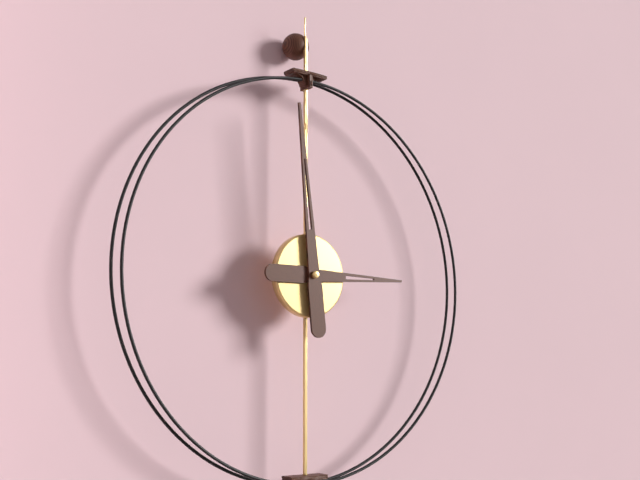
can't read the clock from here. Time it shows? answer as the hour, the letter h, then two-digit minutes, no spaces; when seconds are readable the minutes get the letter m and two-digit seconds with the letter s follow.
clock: 2h59
